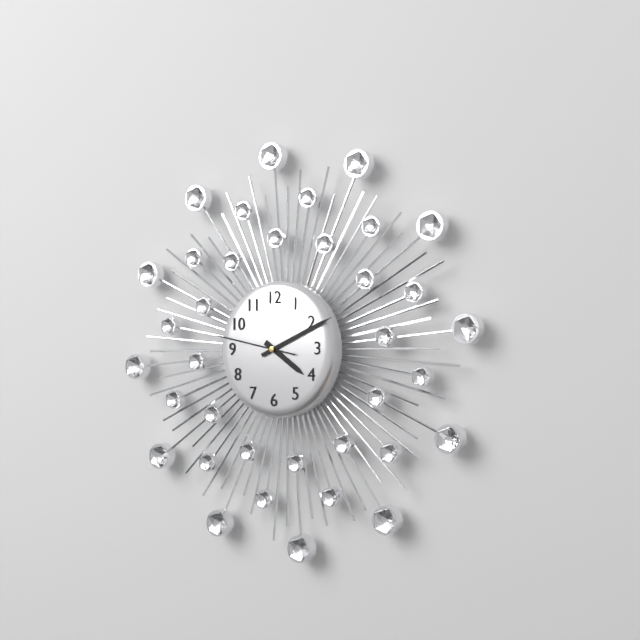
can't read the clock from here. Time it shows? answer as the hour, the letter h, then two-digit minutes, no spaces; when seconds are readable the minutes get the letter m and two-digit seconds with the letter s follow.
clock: 4h11m47s
